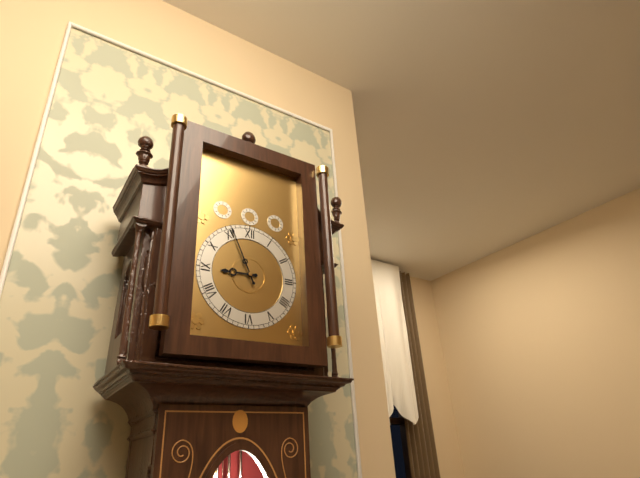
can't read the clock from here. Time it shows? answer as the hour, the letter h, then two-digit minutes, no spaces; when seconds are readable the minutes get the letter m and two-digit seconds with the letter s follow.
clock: 8h56
